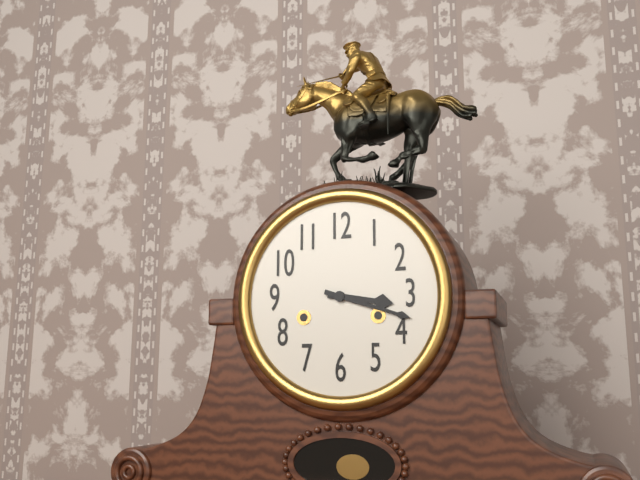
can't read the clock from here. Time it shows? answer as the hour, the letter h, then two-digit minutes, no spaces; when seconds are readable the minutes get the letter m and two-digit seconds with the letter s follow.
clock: 3h18
